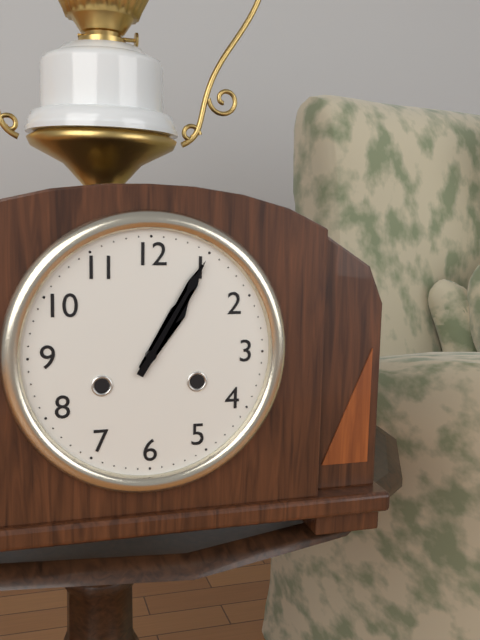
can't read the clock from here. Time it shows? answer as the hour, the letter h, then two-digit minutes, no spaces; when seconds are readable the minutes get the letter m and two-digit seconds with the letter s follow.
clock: 1h05
